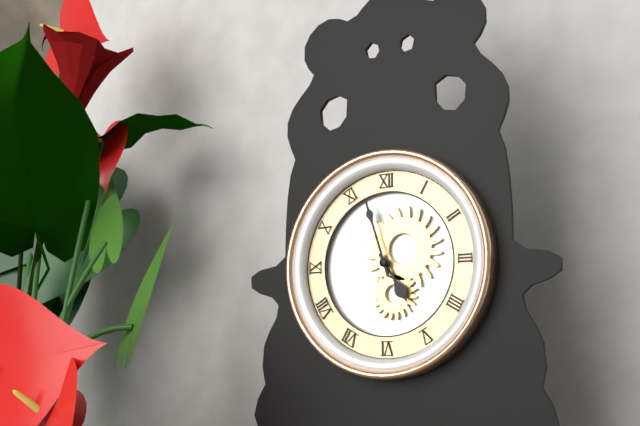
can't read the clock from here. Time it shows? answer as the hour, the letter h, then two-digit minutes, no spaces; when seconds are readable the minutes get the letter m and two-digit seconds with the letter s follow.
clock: 4h57
